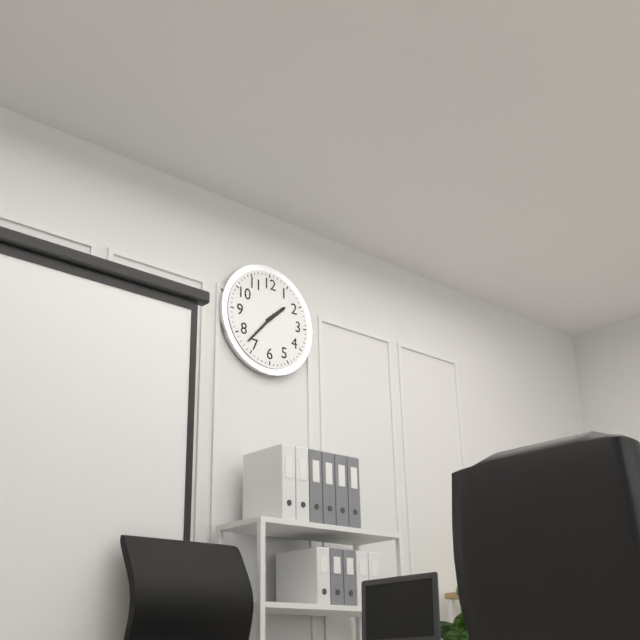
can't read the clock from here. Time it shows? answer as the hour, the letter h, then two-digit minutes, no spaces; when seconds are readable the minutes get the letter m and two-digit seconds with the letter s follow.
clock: 1h37
